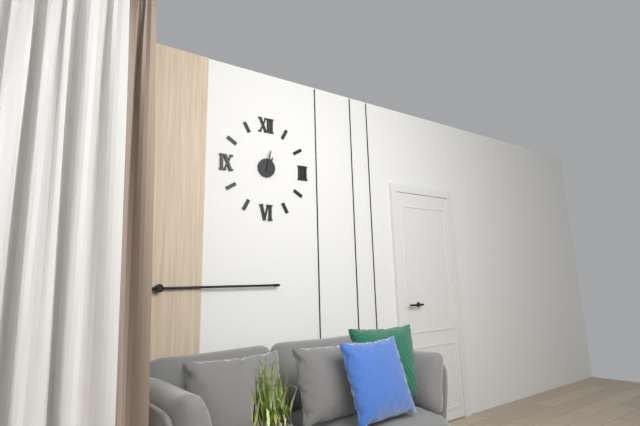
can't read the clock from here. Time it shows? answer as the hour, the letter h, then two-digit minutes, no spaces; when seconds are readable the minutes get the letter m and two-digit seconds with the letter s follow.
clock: 1h02
